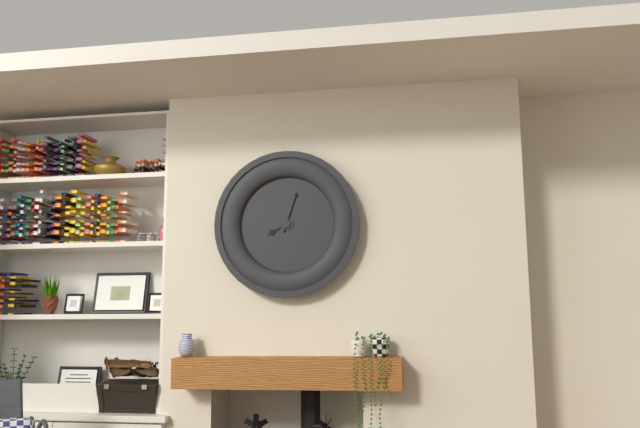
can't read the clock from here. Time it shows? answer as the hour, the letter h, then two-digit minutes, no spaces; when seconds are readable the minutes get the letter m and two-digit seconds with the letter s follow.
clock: 8h03
